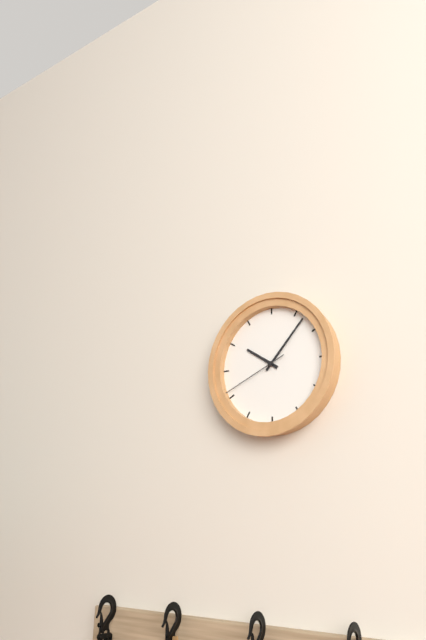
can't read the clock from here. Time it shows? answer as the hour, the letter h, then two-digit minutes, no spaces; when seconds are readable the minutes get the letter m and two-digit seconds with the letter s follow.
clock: 10h07m41s
